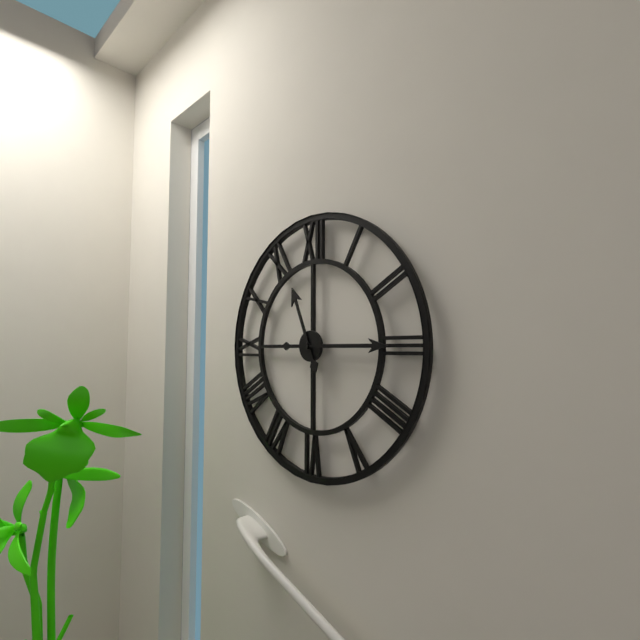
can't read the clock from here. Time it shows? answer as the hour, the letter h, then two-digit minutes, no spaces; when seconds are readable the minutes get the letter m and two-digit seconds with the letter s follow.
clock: 11h15
